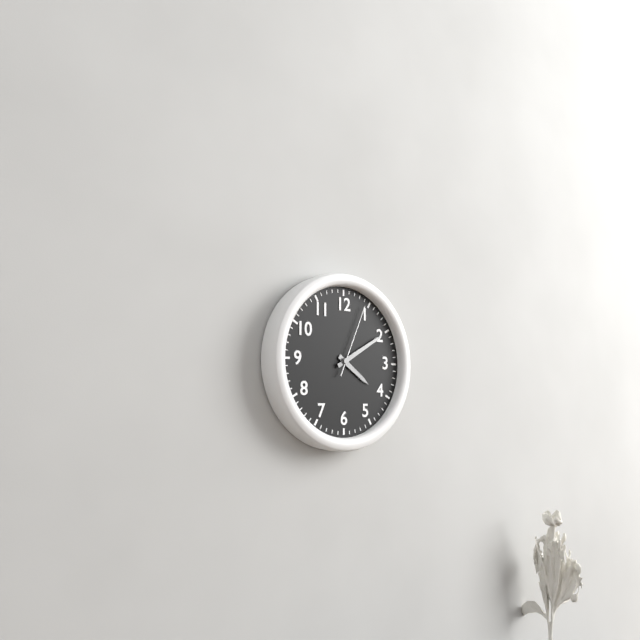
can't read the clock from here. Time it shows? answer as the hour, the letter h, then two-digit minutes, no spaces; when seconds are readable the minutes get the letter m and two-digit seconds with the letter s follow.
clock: 4h10m04s
